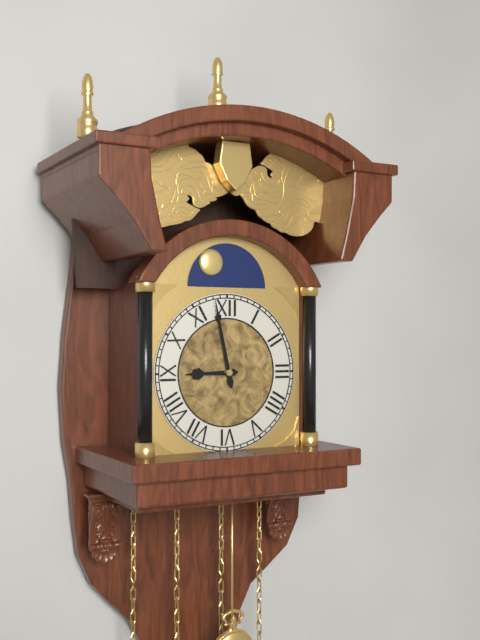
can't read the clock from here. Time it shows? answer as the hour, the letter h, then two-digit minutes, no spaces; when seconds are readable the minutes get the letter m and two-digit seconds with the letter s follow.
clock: 8h58
